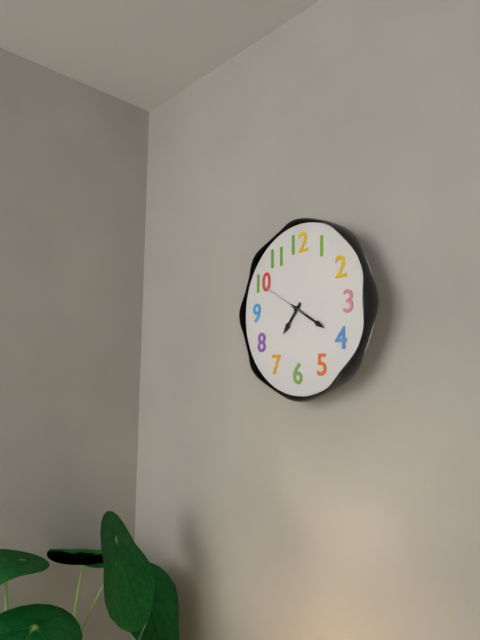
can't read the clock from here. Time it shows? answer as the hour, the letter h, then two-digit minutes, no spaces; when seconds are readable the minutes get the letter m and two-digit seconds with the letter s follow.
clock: 7h20
